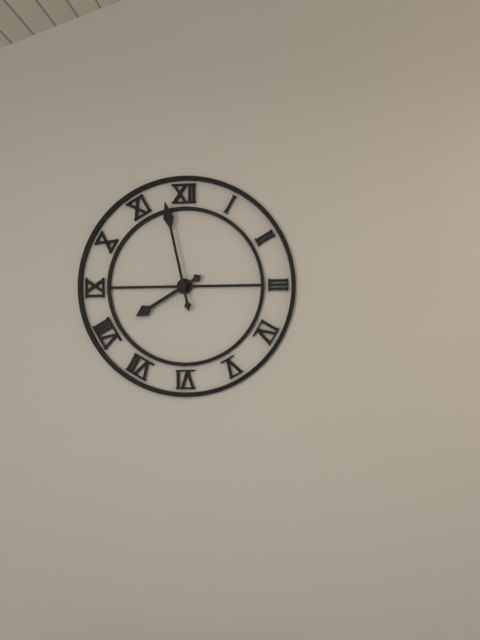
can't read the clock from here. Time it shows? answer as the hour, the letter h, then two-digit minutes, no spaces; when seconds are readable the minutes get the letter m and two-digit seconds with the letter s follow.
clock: 7h58
